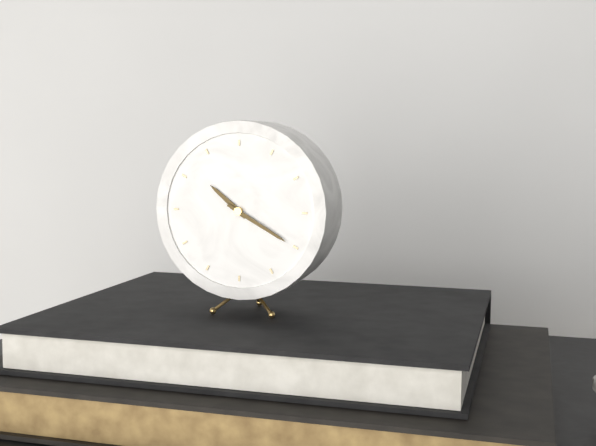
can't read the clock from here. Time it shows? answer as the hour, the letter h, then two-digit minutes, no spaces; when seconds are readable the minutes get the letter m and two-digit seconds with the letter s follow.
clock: 10h20
